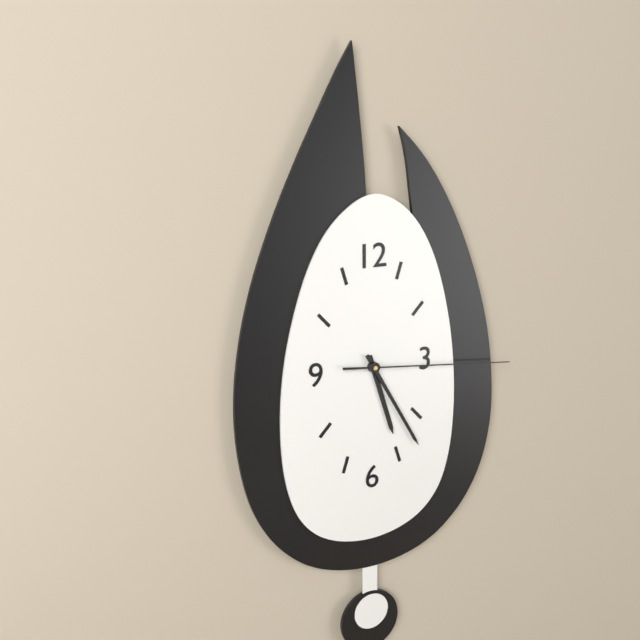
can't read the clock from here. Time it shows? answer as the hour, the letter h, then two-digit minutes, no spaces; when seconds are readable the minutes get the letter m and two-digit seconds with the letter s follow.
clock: 5h25m16s
